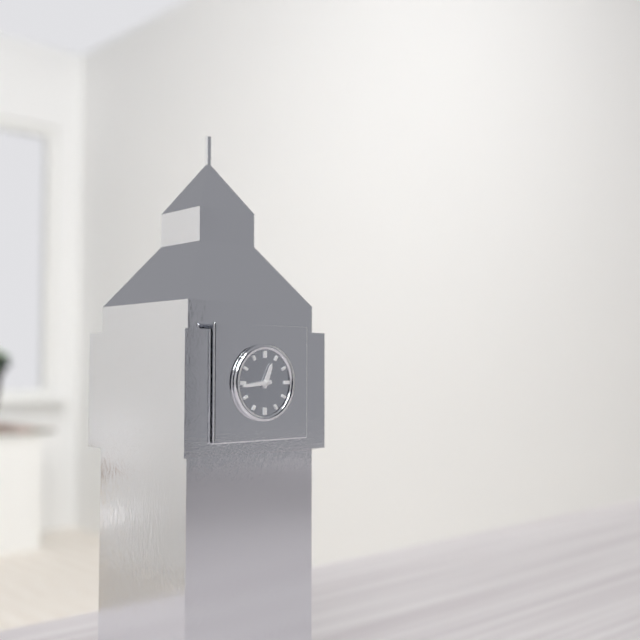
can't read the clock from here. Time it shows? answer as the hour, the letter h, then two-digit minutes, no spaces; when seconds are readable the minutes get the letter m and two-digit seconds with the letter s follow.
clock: 12h44
